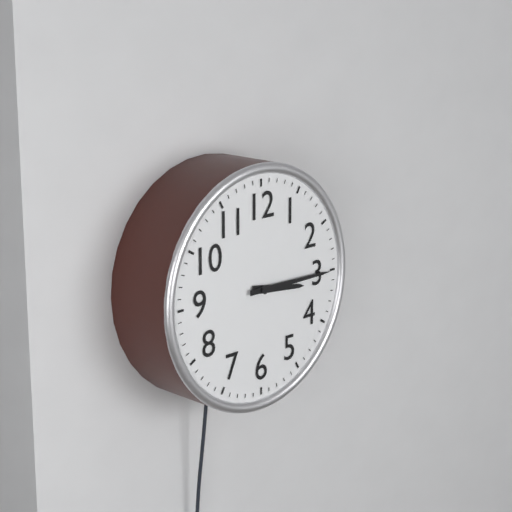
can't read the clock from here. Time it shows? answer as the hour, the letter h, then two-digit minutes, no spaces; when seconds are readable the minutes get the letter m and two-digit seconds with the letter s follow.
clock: 3h15
